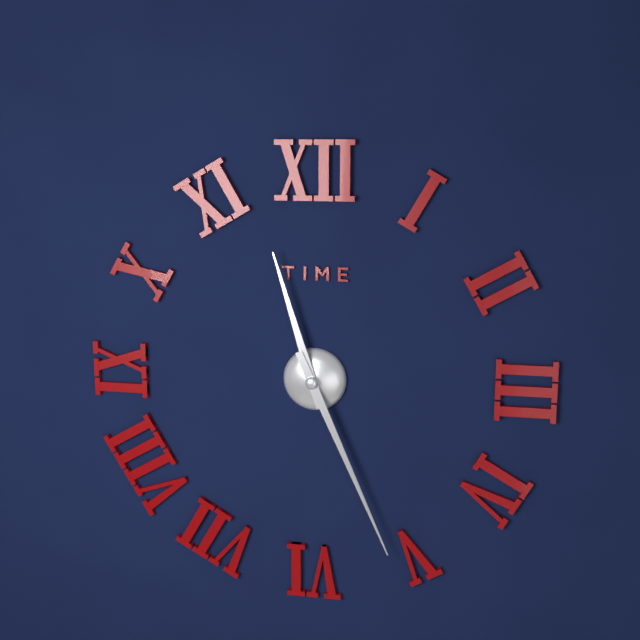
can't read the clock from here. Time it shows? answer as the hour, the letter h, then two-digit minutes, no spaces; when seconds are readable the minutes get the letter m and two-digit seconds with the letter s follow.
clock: 11h26
